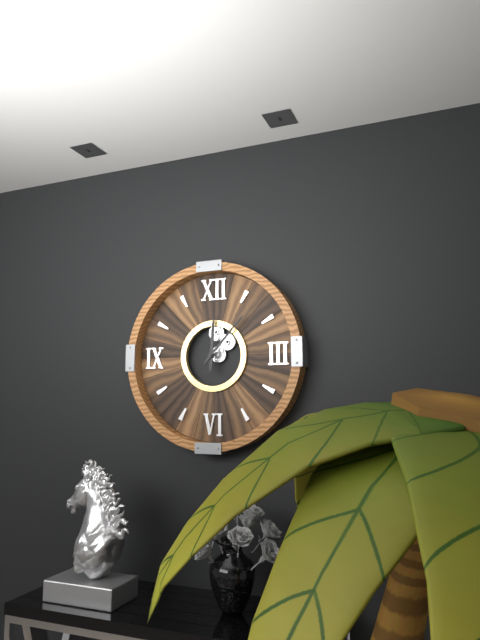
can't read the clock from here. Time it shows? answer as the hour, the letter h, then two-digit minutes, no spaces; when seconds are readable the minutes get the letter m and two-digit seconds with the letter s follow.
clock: 12h07
